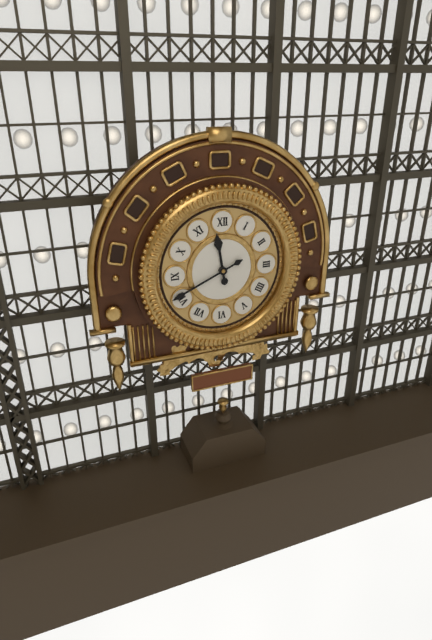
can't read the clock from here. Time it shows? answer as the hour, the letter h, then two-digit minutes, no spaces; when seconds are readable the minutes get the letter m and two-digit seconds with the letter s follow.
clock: 11h41
